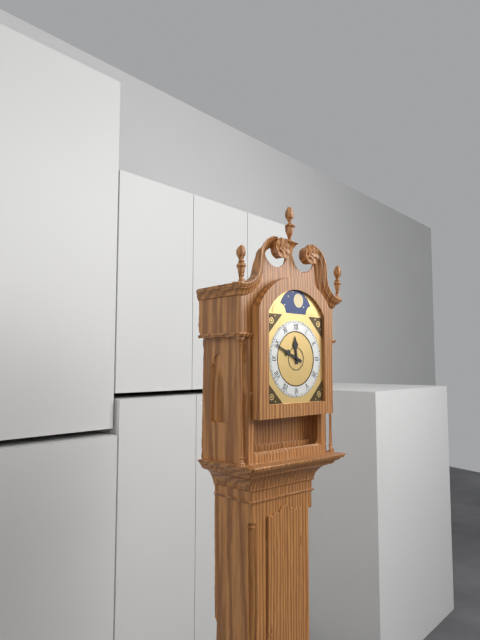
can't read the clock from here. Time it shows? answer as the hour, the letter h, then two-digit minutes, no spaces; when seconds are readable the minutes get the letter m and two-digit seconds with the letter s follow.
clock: 11h49
